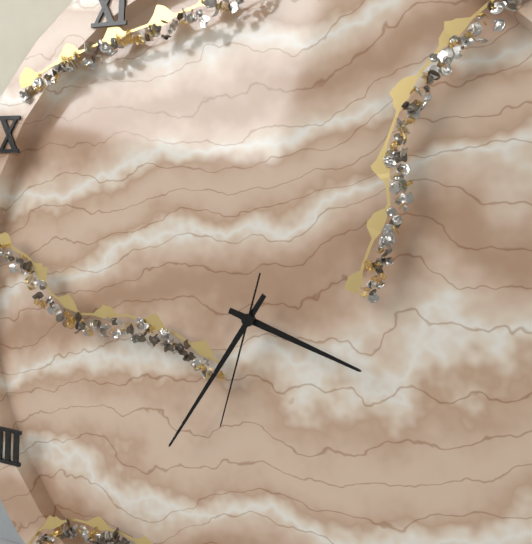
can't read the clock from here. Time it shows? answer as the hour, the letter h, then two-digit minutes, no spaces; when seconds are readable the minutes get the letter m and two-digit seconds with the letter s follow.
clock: 3h35m32s
